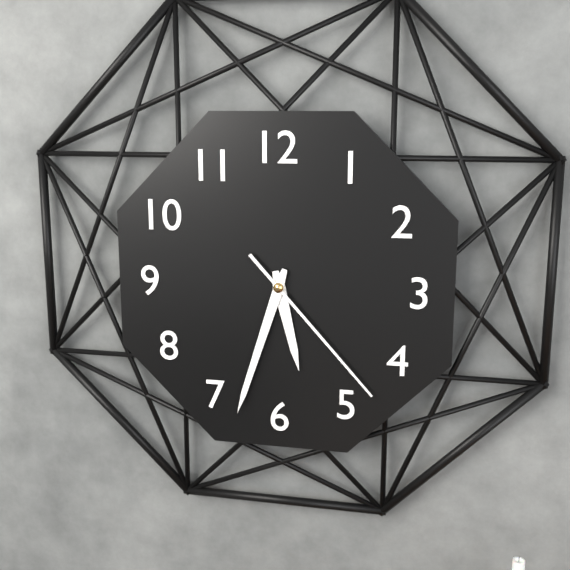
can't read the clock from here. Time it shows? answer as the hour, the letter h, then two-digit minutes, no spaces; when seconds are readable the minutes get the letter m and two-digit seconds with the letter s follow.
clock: 5h33m23s
